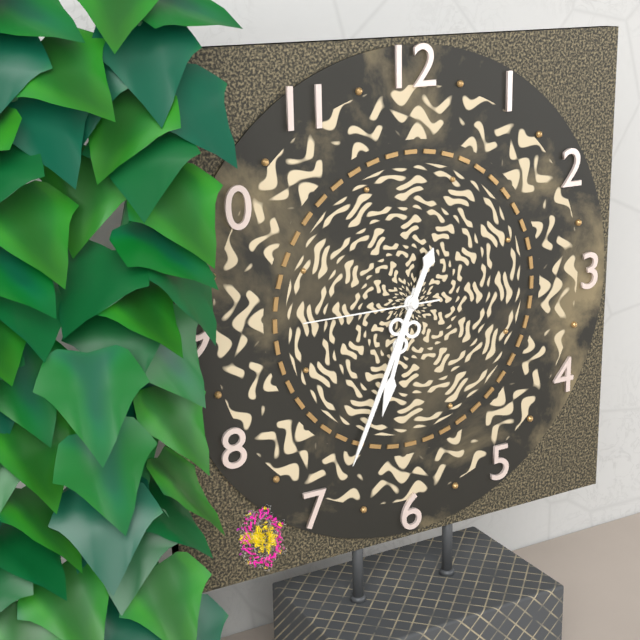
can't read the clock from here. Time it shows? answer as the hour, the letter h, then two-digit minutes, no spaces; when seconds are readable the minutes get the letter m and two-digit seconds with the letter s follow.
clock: 6h34m45s
